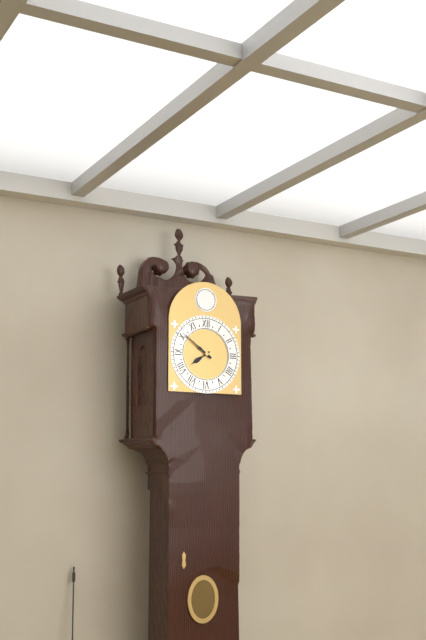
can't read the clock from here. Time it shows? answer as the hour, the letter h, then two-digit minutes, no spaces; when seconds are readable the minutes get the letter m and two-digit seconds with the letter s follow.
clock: 7h51
